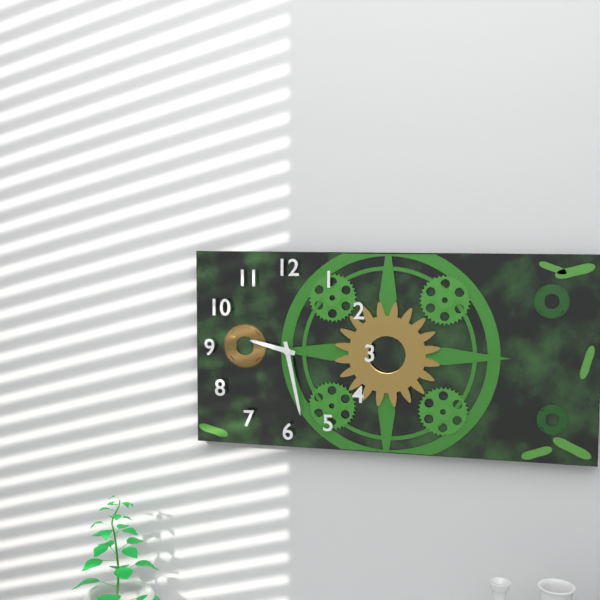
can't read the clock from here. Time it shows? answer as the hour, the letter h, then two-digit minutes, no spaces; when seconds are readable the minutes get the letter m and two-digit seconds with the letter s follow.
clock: 9h28
